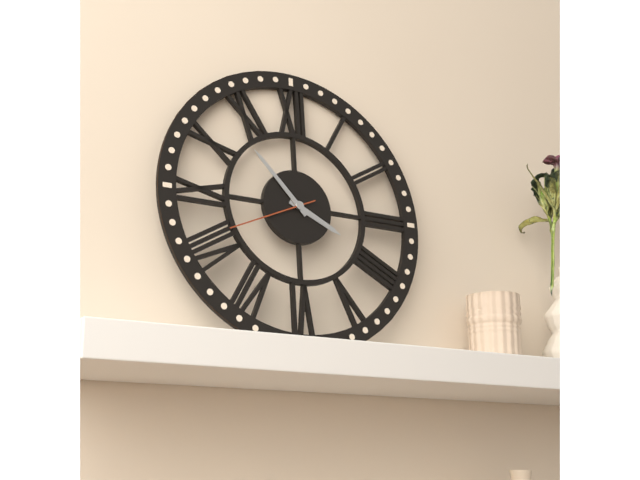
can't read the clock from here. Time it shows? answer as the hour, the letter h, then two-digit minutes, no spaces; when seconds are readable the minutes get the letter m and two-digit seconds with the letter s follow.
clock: 3h53m41s
